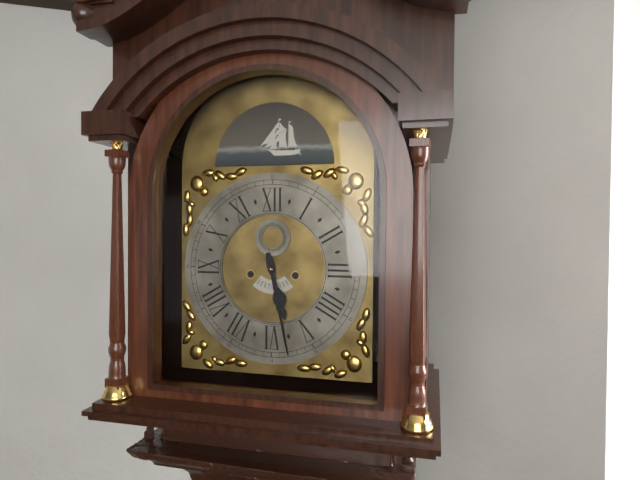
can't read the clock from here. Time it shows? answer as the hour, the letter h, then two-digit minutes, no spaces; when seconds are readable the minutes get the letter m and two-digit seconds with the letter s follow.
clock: 5h28
